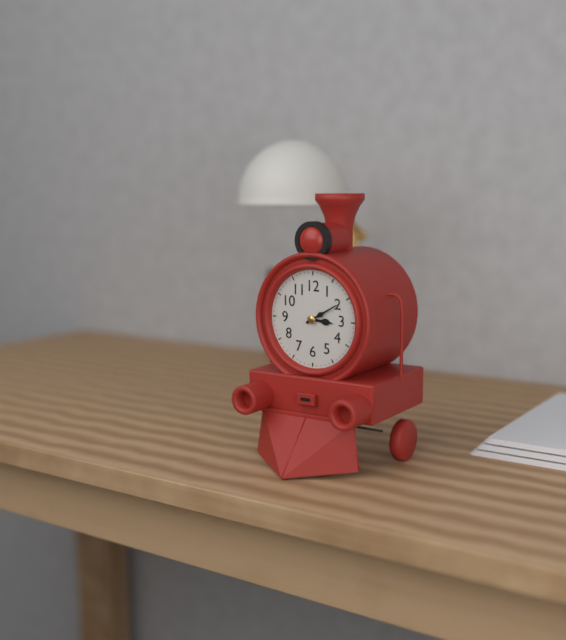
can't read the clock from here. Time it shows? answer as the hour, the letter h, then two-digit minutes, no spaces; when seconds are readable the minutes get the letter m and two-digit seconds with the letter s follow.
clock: 3h10
